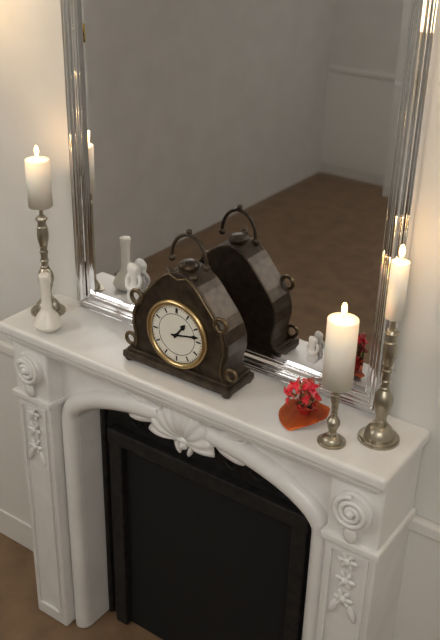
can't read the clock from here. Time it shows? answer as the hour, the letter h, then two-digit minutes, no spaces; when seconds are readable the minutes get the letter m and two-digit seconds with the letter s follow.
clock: 1h13
